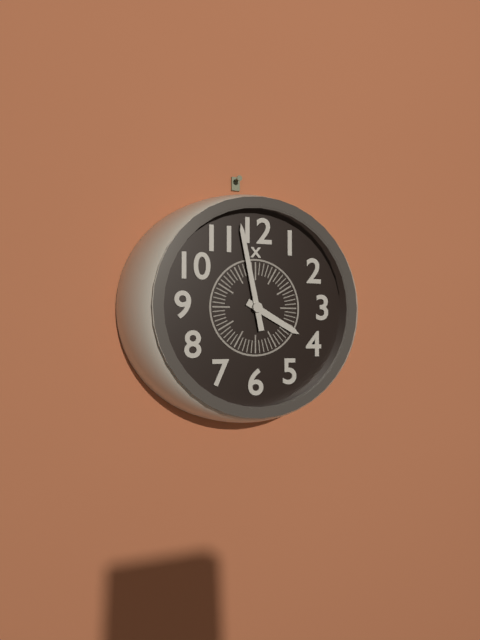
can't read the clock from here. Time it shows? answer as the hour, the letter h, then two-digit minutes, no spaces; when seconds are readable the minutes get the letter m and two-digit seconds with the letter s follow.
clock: 3h58
